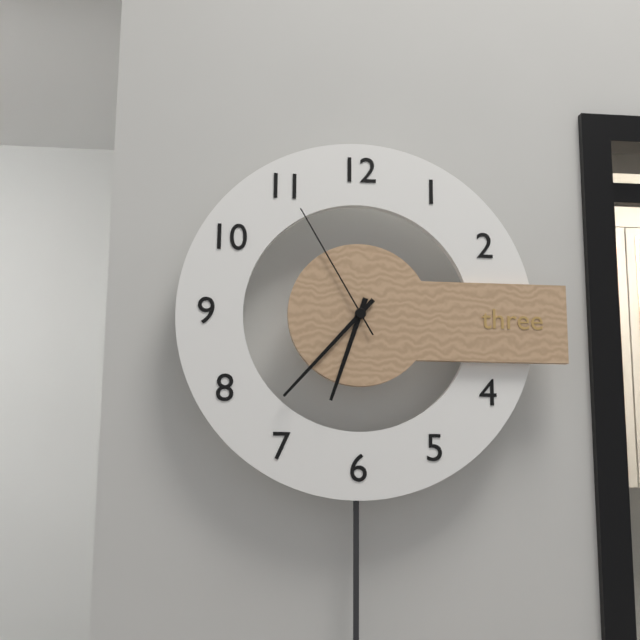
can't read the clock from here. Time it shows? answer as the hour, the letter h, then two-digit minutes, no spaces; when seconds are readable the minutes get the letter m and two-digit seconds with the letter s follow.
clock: 6h37m55s
